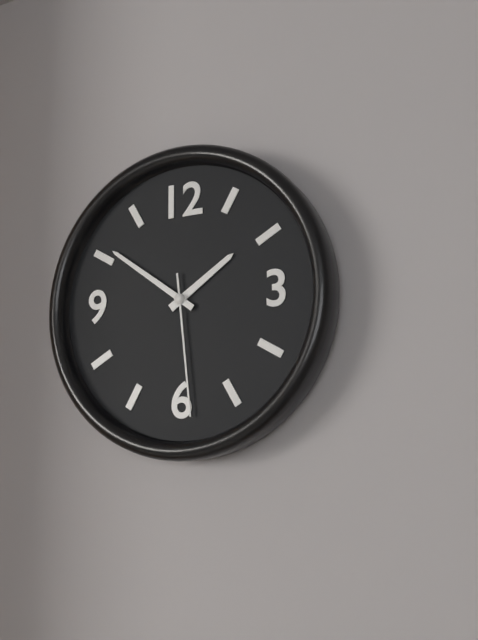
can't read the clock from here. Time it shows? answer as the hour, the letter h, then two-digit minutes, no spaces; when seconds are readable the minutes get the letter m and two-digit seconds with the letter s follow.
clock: 1h51m29s
